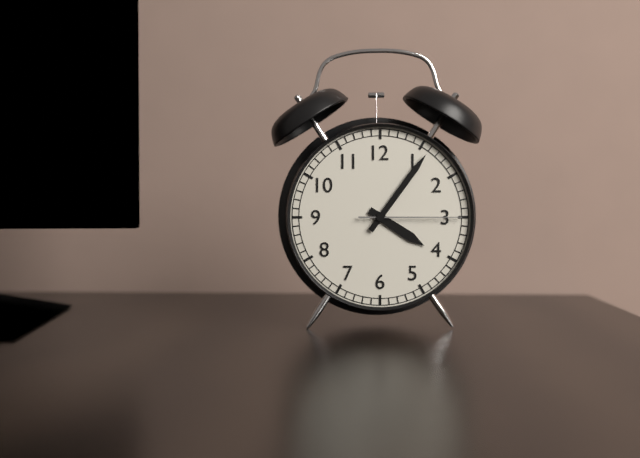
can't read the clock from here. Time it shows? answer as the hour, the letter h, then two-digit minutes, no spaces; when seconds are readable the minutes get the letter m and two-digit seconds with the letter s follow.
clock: 4h06m15s
